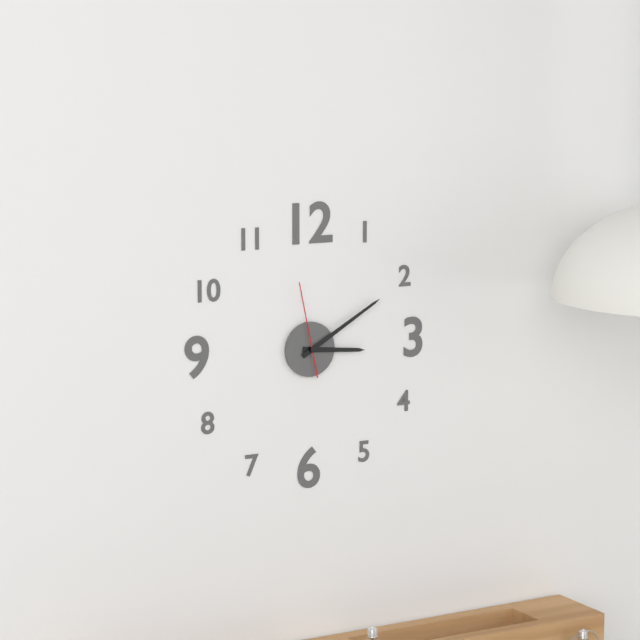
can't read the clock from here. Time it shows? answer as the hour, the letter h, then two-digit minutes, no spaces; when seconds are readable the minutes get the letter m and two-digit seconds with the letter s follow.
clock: 3h10m58s
